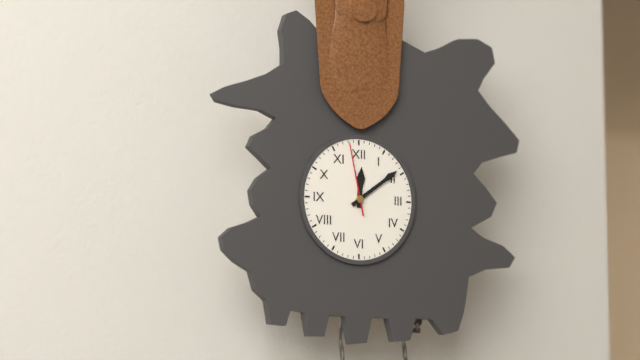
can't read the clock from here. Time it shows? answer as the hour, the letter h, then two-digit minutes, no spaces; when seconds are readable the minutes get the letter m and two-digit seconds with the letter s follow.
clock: 12h09m58s
